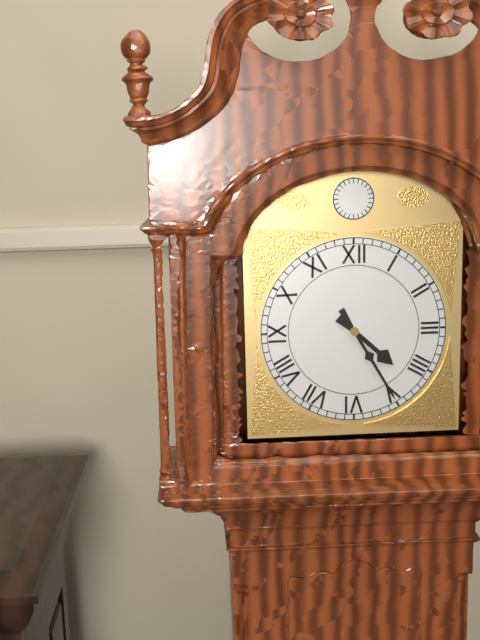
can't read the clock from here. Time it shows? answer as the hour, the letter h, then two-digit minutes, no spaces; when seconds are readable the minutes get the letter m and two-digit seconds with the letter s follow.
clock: 4h25
